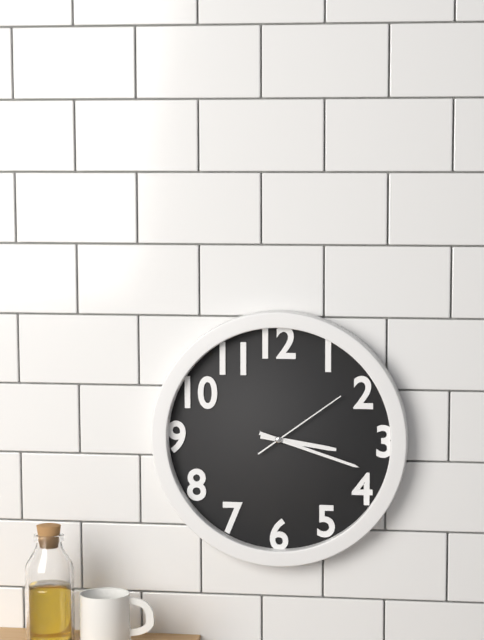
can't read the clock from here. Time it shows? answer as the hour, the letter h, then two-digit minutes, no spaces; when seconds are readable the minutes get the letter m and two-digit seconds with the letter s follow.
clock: 3h18m09s
